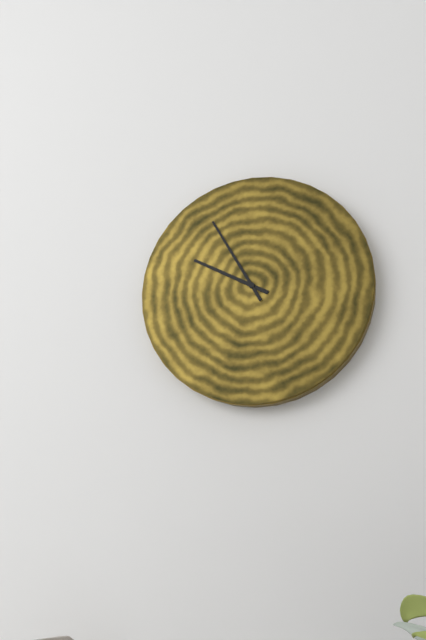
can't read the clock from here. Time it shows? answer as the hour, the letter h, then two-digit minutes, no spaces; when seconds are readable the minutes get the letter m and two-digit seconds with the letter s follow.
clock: 9h55
